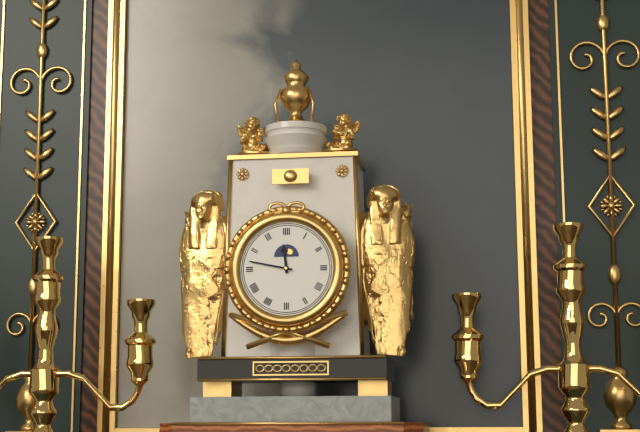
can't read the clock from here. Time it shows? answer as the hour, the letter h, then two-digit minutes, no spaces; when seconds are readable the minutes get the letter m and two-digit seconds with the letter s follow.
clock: 11h47
